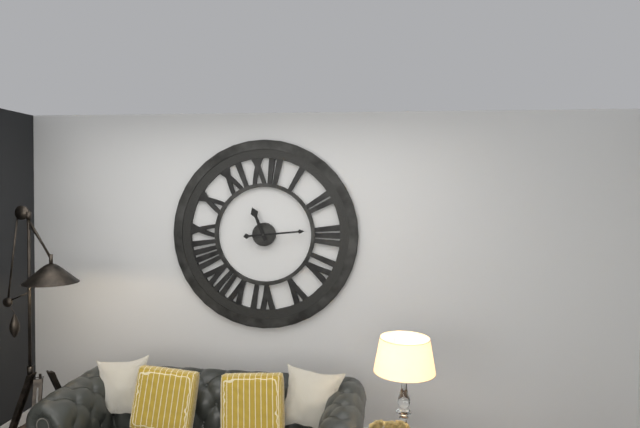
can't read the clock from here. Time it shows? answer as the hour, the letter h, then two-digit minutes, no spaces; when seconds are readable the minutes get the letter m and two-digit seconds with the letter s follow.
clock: 11h14
